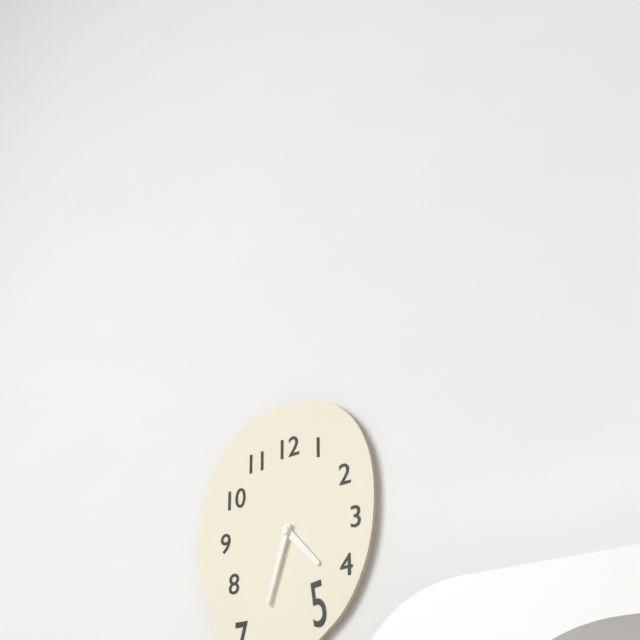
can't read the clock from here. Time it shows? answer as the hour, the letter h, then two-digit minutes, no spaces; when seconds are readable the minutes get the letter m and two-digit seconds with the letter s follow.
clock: 4h33
